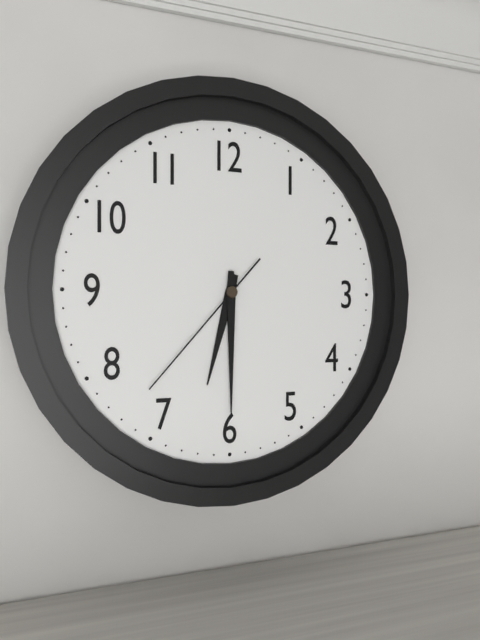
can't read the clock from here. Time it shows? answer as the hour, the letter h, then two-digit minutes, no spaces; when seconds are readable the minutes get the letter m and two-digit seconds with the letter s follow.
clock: 6h30m37s
